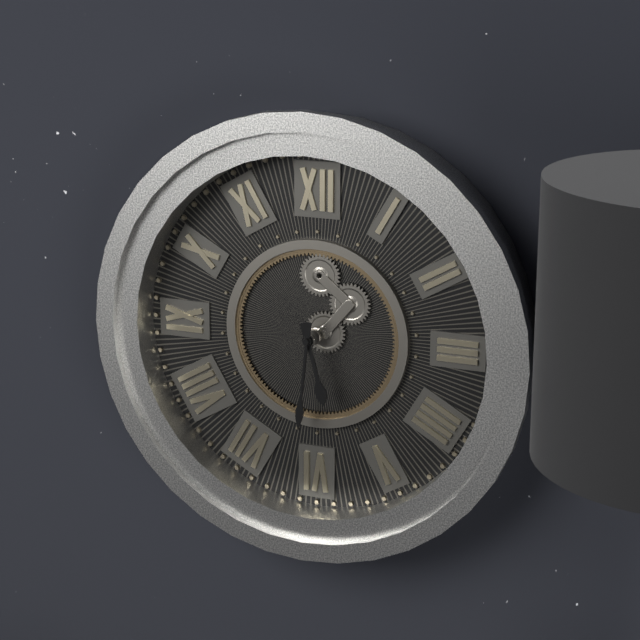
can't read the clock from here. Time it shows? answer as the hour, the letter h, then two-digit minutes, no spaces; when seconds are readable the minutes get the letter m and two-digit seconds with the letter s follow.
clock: 5h31
